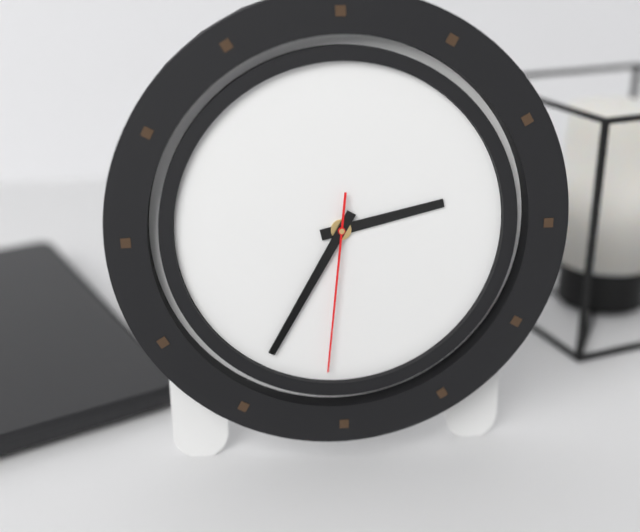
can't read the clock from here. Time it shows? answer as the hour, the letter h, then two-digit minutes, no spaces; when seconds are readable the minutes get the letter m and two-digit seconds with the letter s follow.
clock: 2h35m31s
